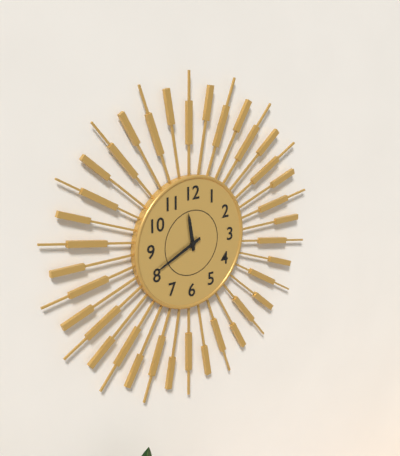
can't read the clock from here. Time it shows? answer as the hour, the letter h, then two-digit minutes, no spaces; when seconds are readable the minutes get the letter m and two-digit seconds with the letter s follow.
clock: 11h41
